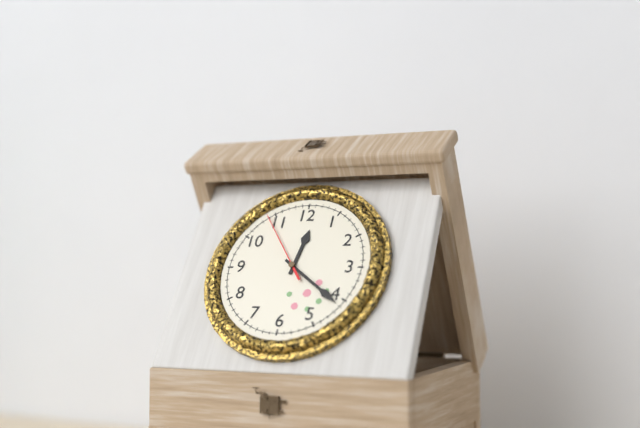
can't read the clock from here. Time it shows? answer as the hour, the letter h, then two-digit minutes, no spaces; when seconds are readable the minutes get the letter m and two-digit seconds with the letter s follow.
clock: 12h21m54s
